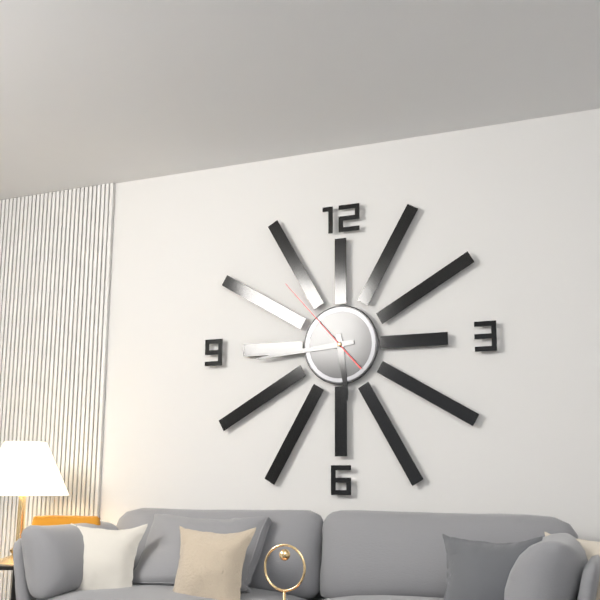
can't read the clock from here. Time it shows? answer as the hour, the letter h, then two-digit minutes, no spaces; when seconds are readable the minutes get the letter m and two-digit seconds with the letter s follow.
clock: 5h44m53s
